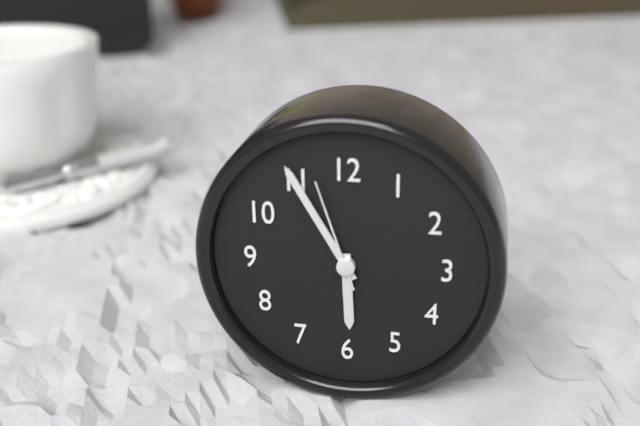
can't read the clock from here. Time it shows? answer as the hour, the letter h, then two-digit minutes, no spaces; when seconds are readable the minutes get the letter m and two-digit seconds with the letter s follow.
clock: 5h55m57s
